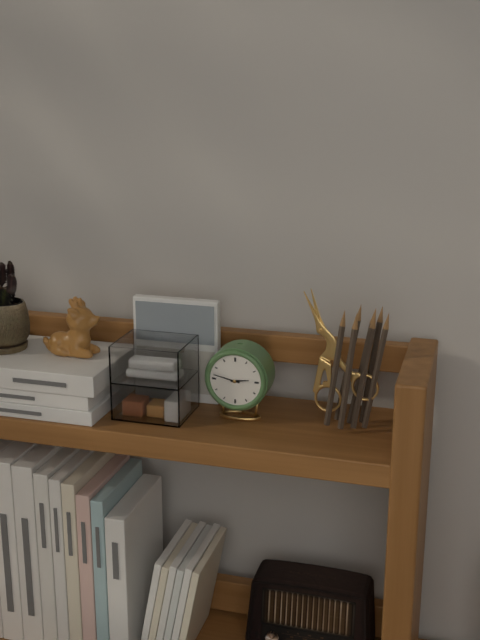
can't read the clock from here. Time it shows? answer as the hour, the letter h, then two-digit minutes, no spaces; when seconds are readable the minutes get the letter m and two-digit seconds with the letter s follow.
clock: 2h47
